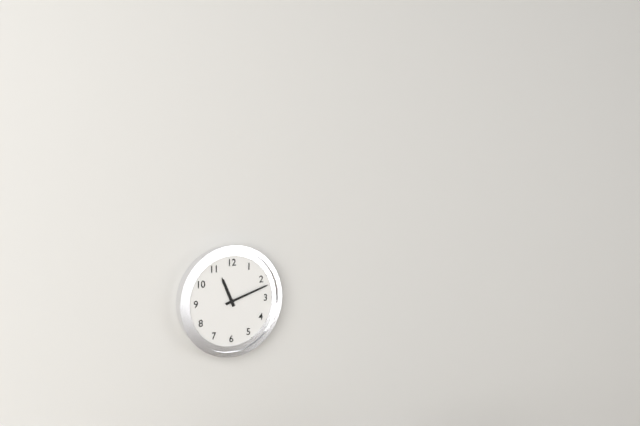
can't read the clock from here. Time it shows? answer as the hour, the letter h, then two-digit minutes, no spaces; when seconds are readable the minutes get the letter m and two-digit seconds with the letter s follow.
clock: 11h12
